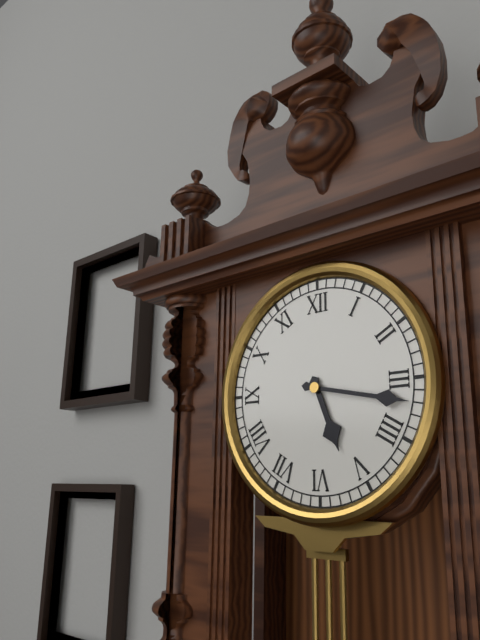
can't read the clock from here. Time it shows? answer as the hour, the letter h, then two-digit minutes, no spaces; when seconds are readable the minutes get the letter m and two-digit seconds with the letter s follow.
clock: 5h17
